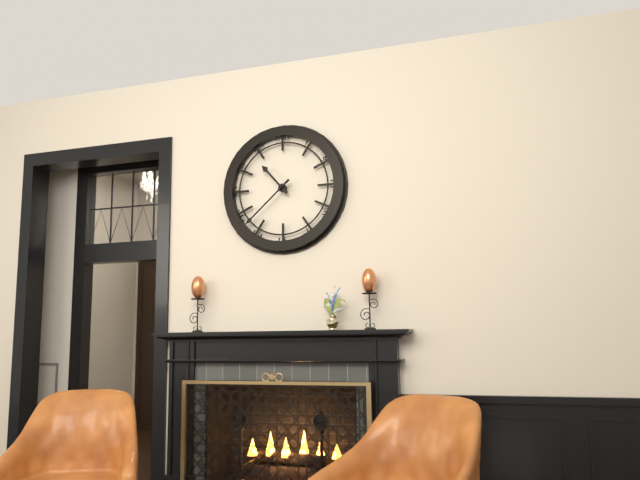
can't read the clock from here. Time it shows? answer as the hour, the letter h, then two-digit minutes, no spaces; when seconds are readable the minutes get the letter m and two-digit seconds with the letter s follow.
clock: 10h38
